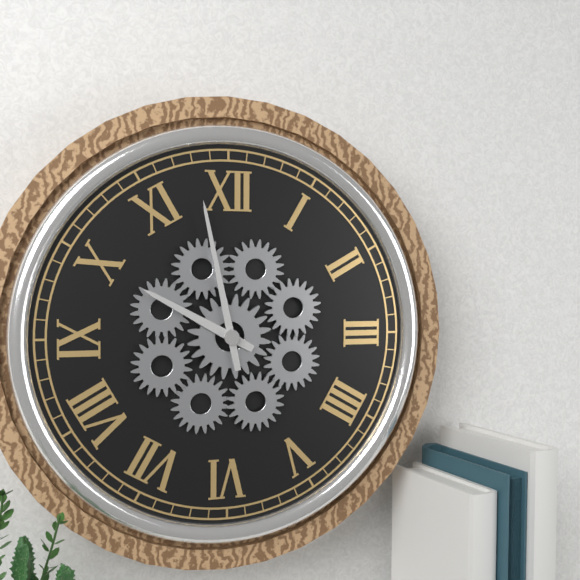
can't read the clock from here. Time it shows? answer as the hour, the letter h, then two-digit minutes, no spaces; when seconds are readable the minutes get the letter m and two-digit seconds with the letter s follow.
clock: 9h58
